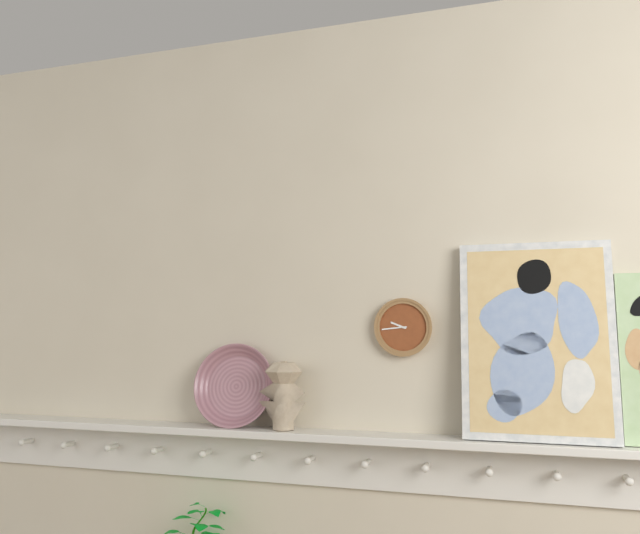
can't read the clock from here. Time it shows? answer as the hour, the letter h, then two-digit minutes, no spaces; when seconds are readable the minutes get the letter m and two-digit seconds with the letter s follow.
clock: 9h44
